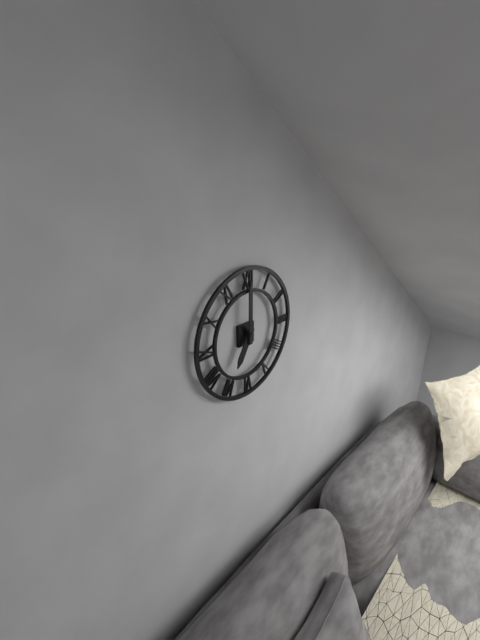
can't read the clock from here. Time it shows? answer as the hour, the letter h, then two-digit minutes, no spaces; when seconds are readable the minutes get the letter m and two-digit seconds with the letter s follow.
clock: 7h00
